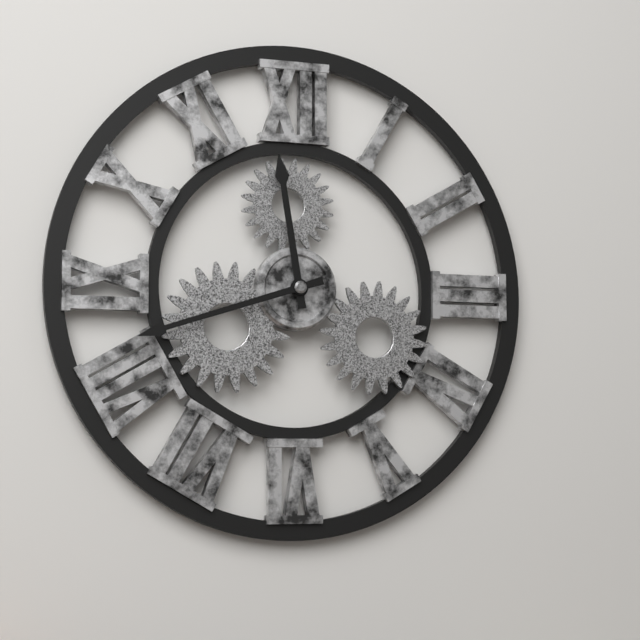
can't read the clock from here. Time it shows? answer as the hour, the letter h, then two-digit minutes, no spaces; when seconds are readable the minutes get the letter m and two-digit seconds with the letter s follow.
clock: 11h42
